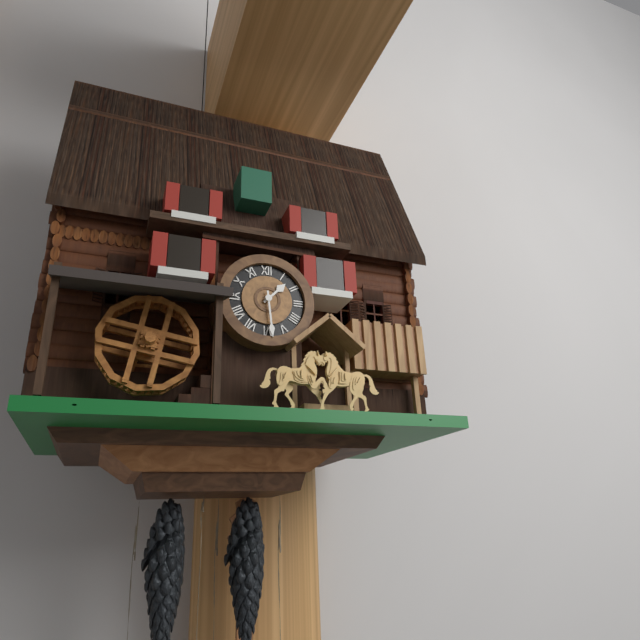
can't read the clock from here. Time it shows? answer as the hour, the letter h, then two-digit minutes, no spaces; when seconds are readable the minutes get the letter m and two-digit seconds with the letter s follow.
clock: 1h29
